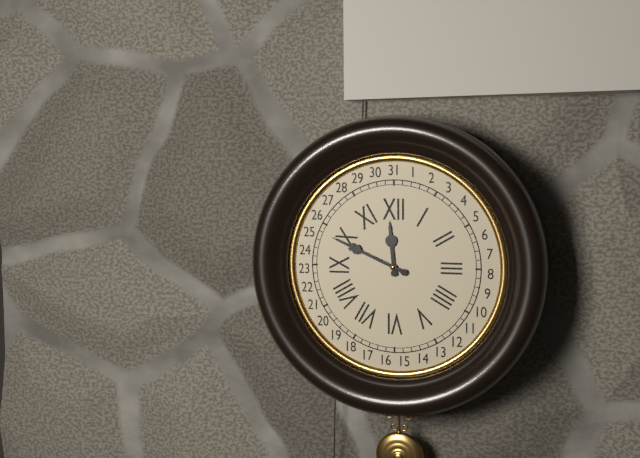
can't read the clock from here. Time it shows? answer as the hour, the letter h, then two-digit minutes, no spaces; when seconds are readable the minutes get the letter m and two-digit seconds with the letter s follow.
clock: 11h49
